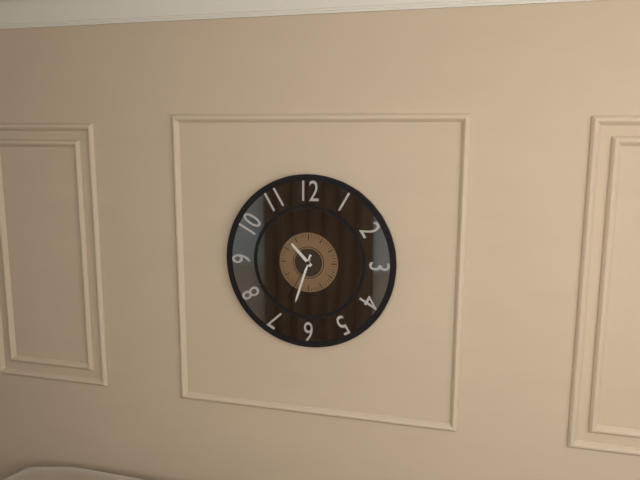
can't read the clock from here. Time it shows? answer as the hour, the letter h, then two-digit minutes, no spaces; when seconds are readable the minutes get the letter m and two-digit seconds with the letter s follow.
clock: 10h33m35s
